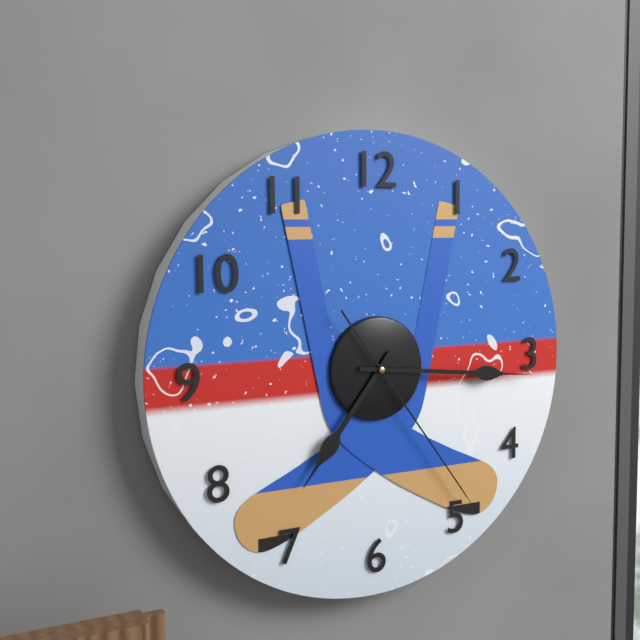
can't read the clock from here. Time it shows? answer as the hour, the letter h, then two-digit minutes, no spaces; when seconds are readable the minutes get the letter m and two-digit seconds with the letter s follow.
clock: 7h16m24s
